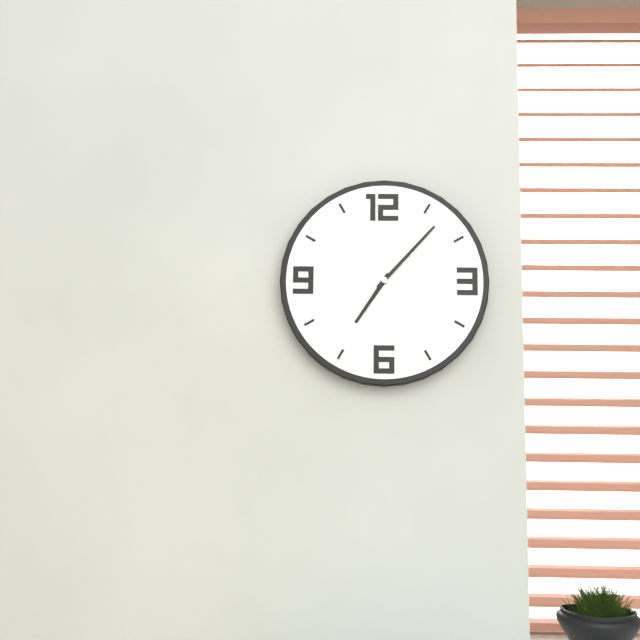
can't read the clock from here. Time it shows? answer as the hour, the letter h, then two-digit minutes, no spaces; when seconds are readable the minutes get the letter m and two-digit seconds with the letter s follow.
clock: 7h07
